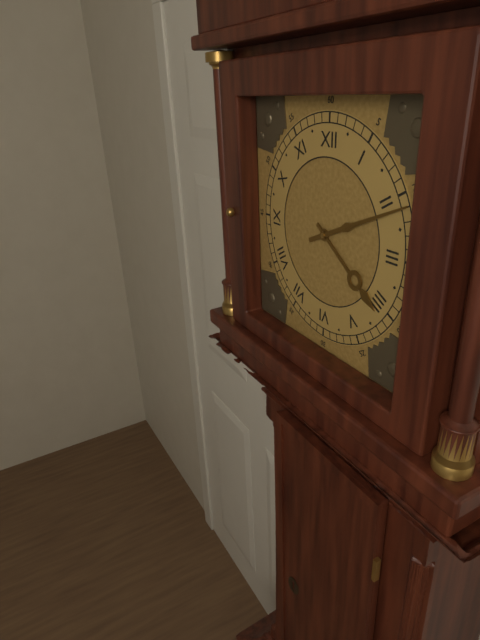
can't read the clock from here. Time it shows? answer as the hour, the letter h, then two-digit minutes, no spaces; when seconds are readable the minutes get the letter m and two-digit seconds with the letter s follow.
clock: 4h11
